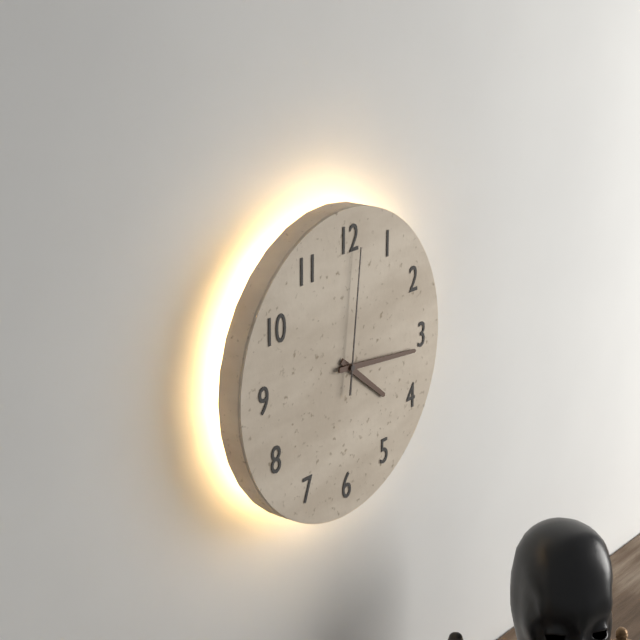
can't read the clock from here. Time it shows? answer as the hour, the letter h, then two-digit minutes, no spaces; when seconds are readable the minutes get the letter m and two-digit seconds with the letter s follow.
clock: 4h16m01s
